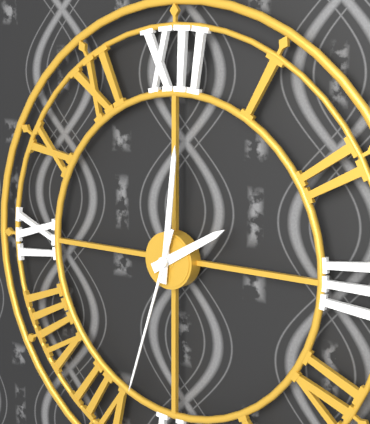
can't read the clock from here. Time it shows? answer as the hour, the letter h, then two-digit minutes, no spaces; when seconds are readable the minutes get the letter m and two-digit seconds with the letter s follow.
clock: 2h01m33s
